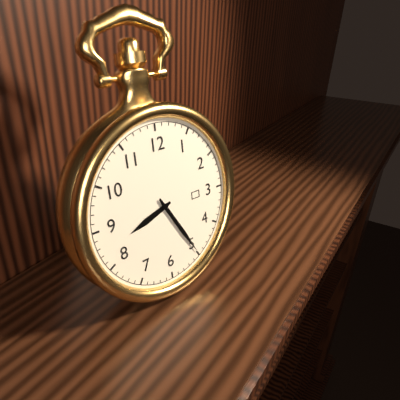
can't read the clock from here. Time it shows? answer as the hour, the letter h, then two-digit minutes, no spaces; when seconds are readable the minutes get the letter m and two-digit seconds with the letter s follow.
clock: 8h25
